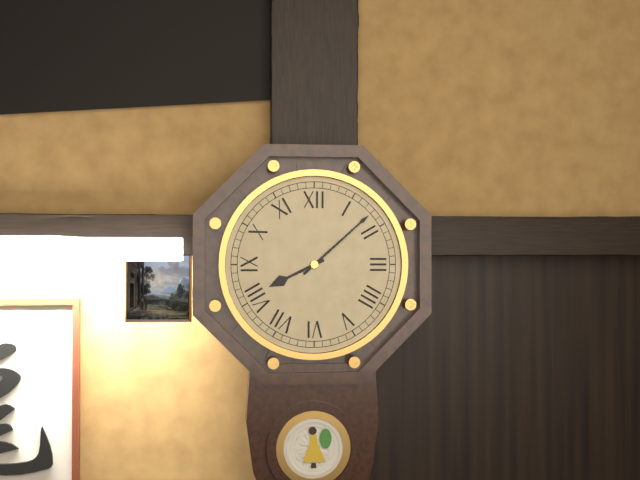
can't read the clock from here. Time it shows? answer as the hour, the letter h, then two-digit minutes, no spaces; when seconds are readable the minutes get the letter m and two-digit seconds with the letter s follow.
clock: 8h08
